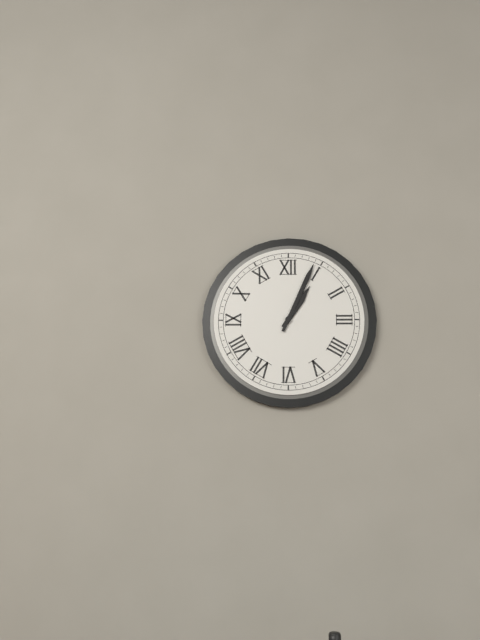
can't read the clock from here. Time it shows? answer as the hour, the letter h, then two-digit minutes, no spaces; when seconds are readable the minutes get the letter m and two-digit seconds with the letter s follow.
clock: 1h04
